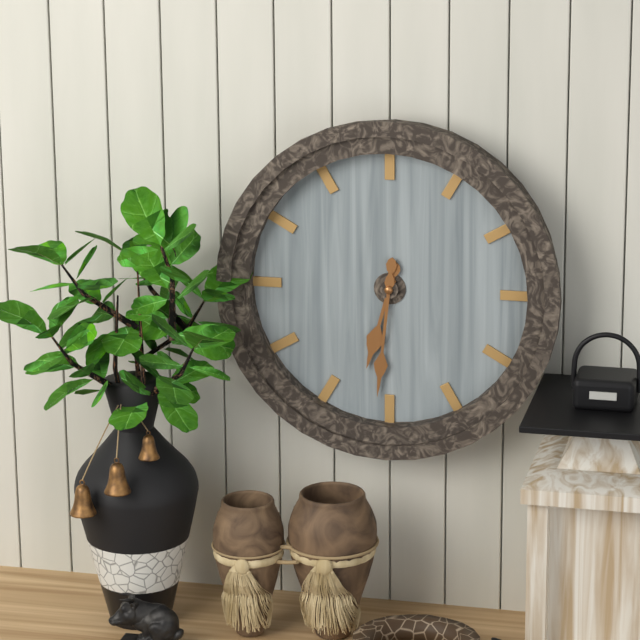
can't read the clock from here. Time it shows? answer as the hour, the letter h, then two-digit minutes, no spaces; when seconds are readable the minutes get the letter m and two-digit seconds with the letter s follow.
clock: 6h31
